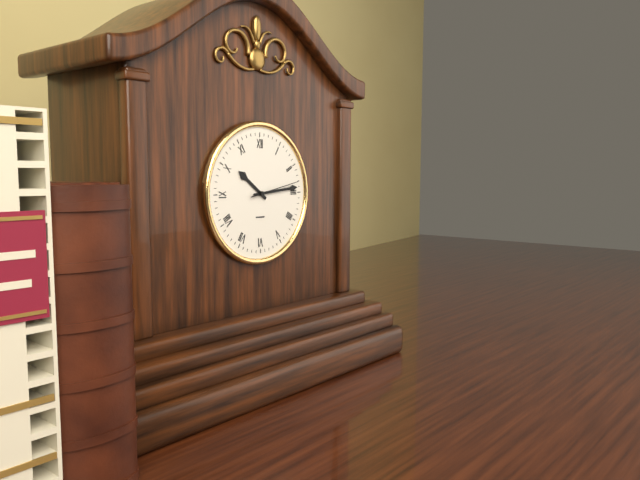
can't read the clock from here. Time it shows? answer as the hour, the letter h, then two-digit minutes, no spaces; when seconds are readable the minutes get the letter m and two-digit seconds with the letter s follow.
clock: 10h14m13s
